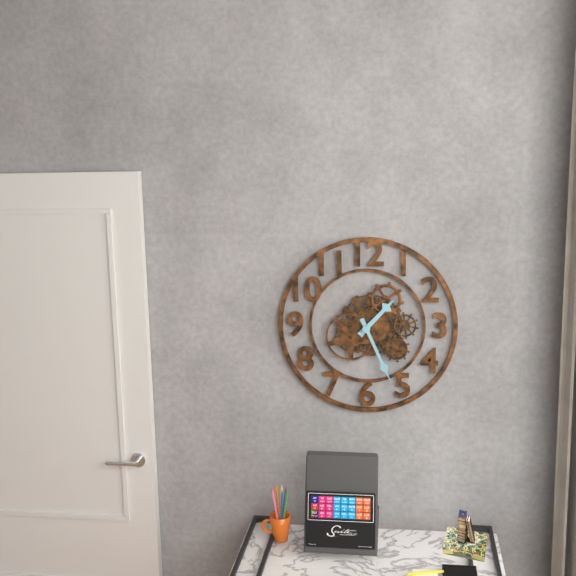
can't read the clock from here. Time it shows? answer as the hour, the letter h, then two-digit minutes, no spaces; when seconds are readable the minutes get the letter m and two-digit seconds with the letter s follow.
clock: 1h26
